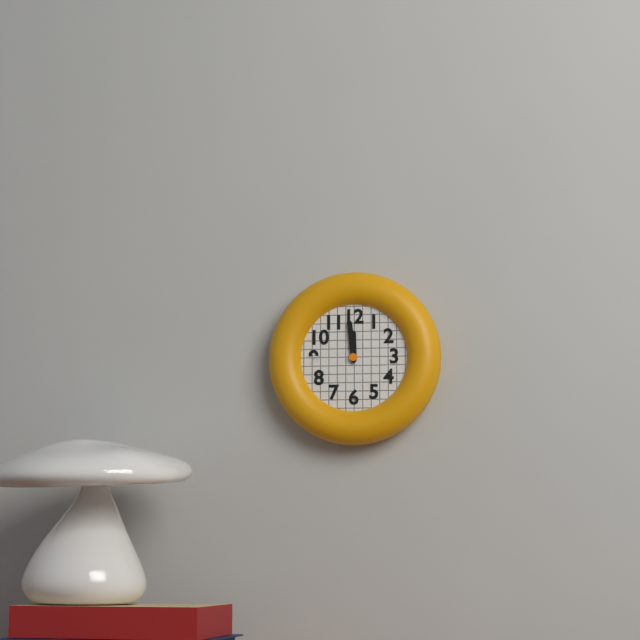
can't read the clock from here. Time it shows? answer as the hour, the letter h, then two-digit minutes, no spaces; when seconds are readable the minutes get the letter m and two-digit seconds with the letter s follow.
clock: 11h59
